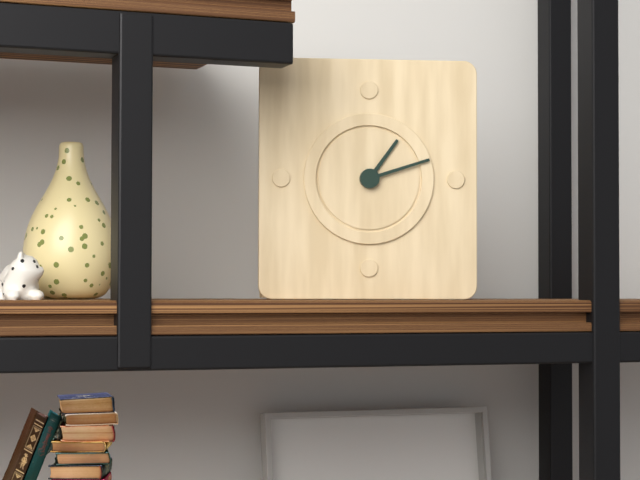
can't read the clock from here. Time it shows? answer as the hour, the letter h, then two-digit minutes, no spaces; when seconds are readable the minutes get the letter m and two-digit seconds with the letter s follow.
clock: 1h12
